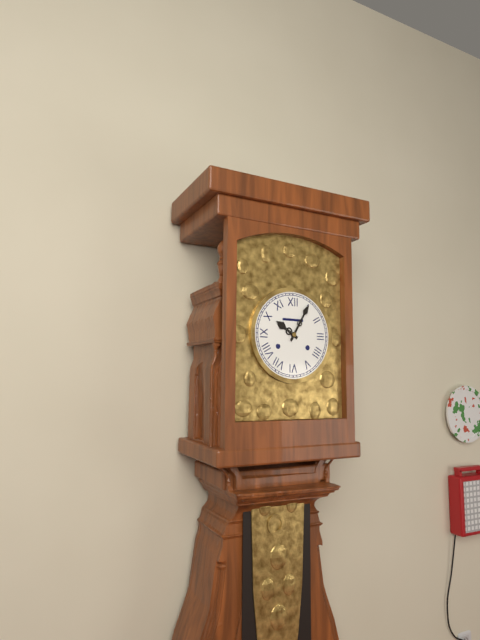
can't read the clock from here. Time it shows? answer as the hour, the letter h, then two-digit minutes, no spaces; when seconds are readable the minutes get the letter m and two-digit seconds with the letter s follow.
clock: 10h05
